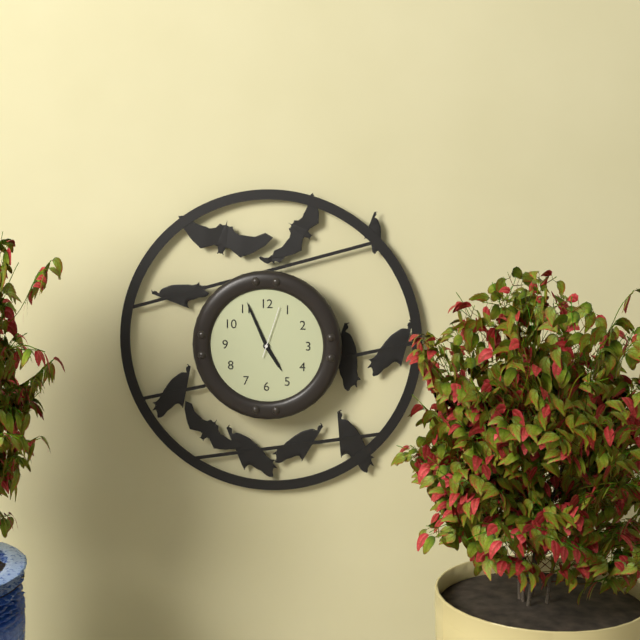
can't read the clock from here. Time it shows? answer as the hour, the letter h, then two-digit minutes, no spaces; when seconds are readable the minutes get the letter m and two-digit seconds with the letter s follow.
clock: 4h56m03s
